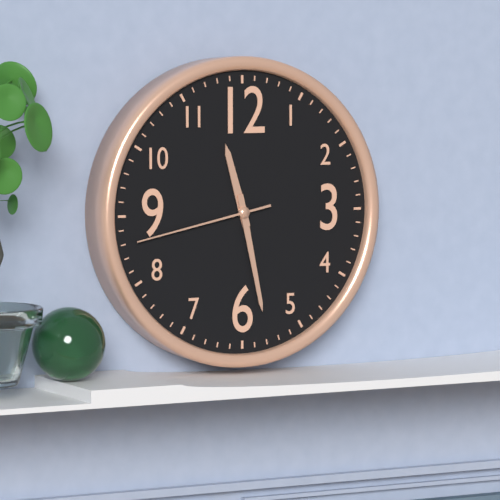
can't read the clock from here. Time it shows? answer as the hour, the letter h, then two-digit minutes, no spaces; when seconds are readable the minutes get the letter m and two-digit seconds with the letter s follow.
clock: 11h28m43s
